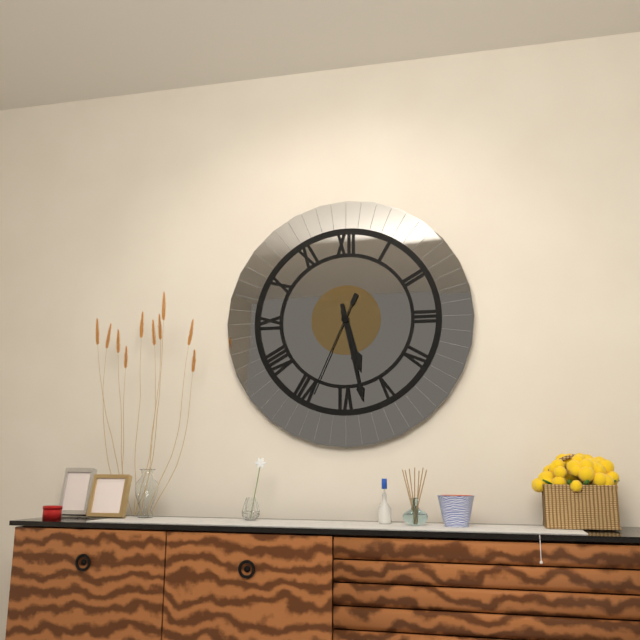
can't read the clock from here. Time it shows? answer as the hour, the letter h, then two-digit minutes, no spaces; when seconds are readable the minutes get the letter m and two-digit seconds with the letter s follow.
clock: 5h28m34s
